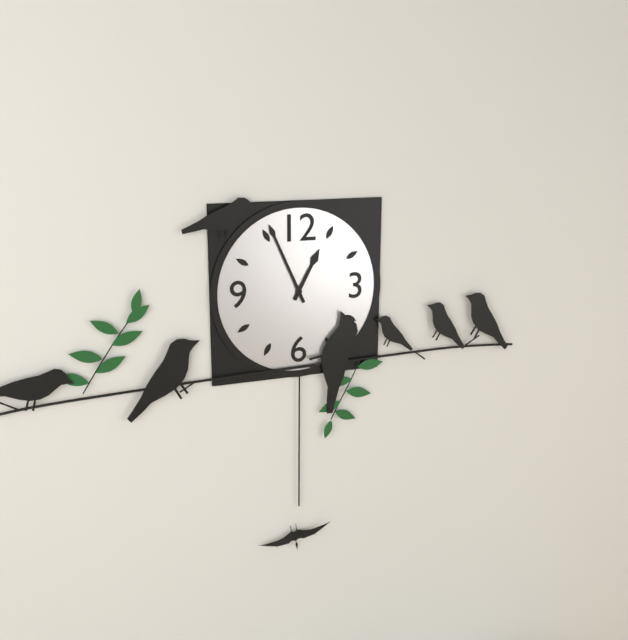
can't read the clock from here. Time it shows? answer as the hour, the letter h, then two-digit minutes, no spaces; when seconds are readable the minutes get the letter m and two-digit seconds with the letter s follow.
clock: 12h56
